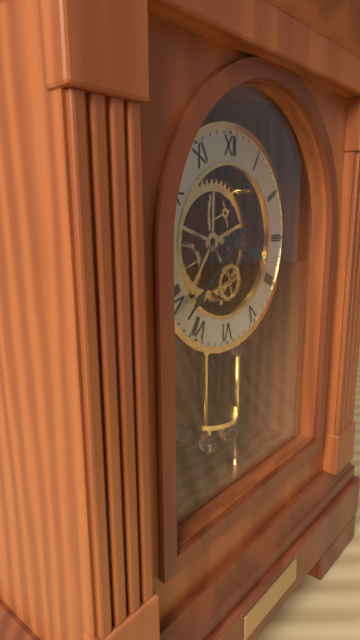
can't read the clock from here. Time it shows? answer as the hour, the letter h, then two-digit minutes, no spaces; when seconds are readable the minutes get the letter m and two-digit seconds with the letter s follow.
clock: 3h38
